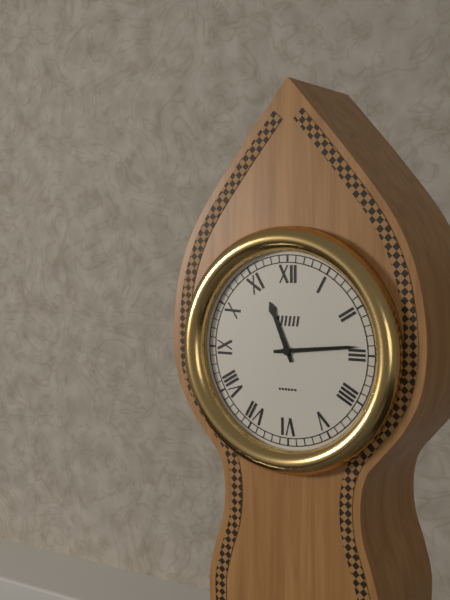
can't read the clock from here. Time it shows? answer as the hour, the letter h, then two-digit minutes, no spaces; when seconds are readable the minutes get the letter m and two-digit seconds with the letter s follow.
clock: 11h14
